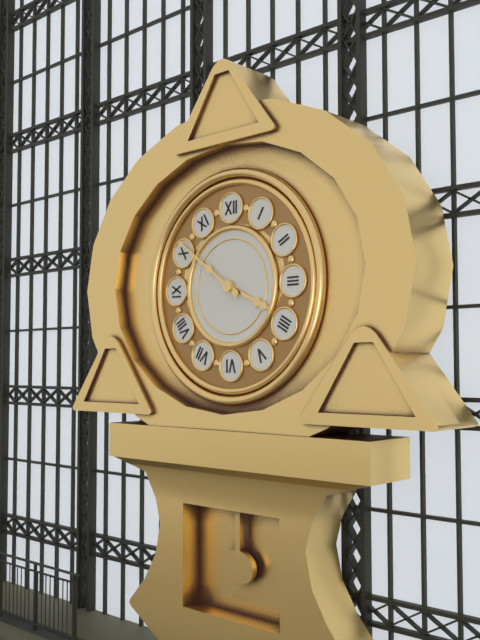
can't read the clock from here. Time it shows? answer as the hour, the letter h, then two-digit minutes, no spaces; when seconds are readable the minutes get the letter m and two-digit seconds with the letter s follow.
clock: 3h51
